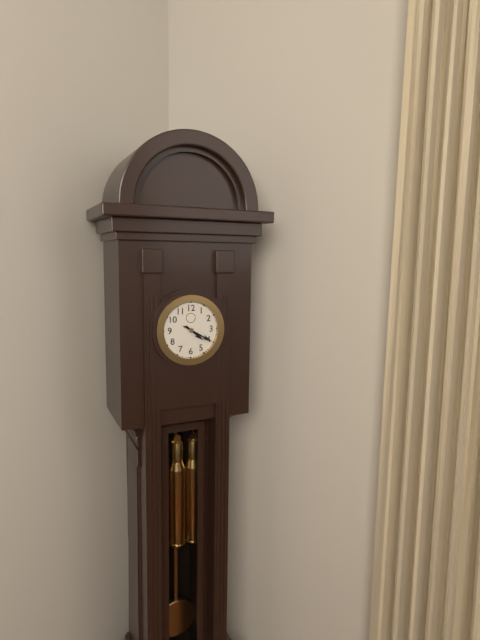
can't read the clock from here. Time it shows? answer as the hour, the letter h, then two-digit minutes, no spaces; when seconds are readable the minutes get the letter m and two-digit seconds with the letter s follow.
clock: 4h20
